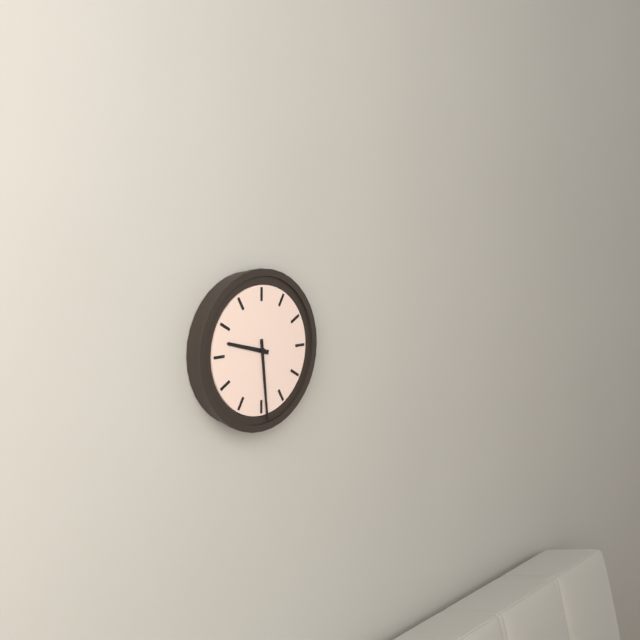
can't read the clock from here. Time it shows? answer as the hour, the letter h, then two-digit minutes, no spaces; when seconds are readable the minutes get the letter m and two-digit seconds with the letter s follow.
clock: 9h29
